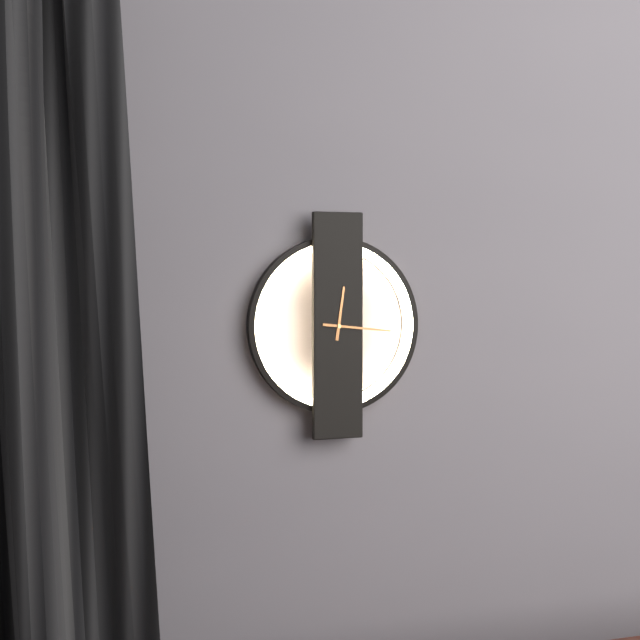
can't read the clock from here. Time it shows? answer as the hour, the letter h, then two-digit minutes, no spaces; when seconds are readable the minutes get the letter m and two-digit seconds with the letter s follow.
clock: 12h16
